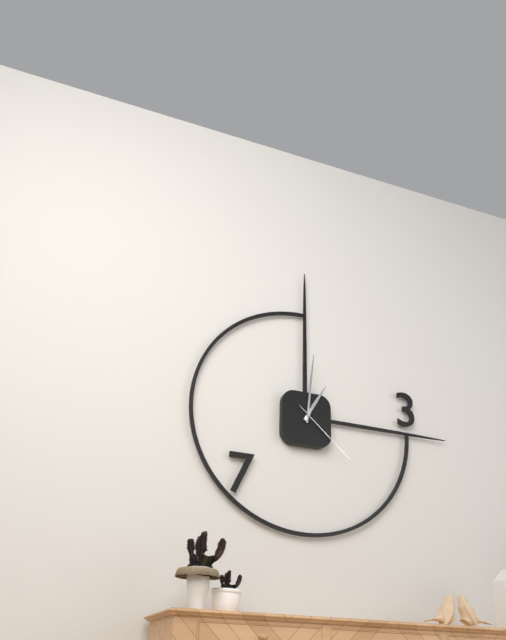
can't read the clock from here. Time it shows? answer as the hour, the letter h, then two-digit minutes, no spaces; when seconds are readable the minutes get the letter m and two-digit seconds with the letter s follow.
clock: 1h01m22s
